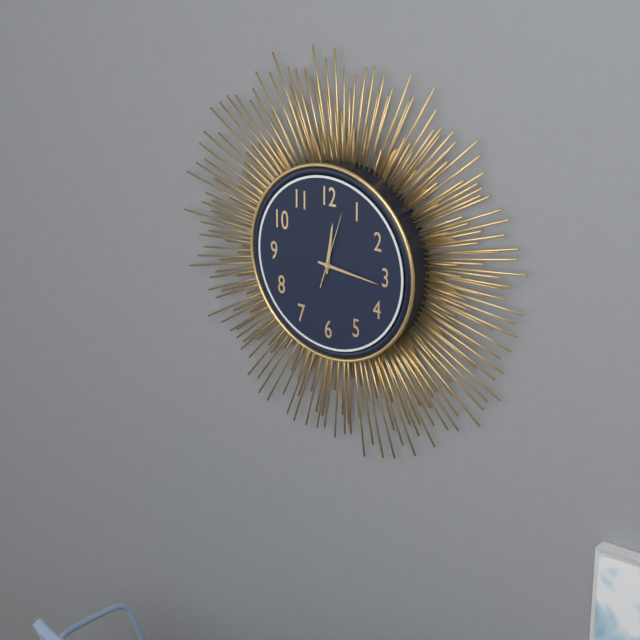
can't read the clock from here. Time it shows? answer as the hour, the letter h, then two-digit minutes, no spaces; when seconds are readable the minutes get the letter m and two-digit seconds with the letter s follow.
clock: 12h16m03s
